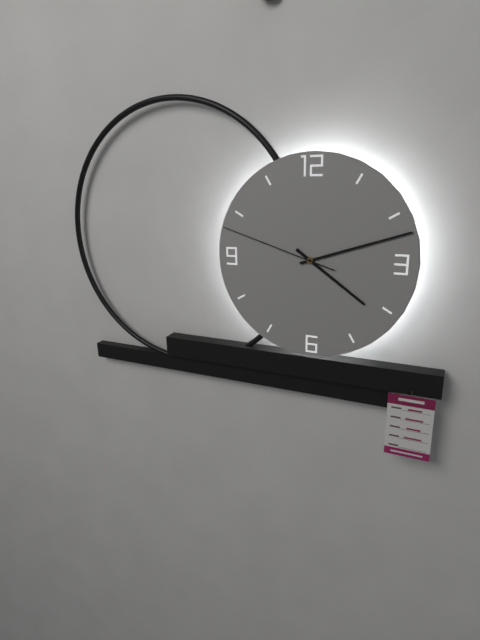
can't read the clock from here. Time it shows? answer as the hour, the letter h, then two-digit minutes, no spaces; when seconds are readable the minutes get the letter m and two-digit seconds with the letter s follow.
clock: 4h12m48s
